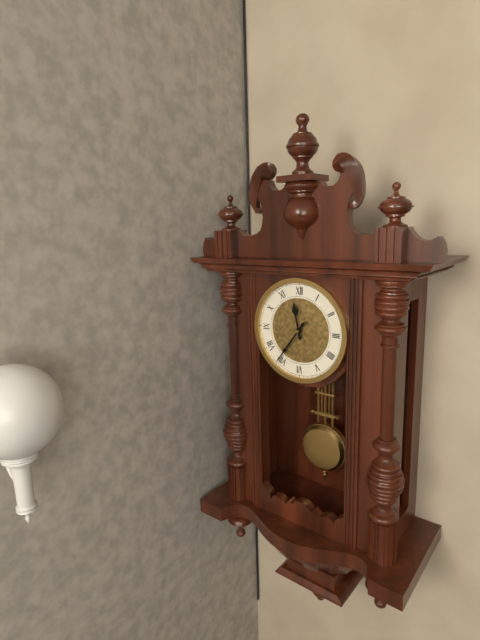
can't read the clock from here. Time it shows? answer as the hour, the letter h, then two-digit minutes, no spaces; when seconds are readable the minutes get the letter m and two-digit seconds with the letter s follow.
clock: 11h36
